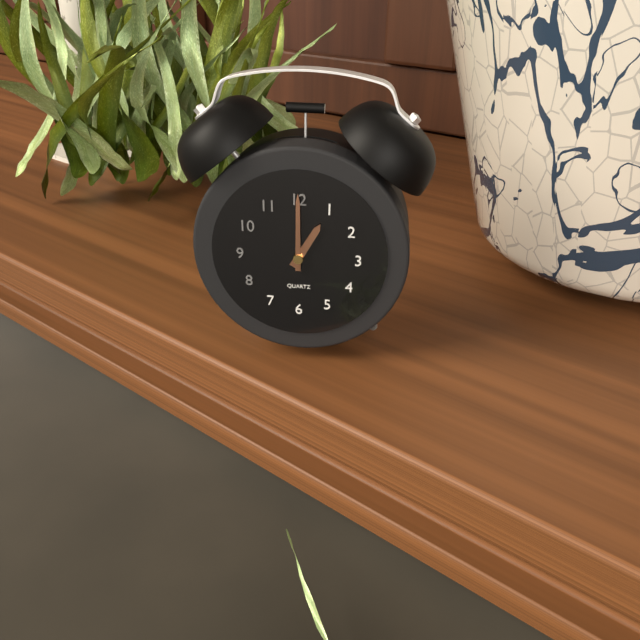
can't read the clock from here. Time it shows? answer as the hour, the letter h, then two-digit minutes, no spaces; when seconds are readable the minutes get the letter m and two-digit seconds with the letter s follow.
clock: 1h00
